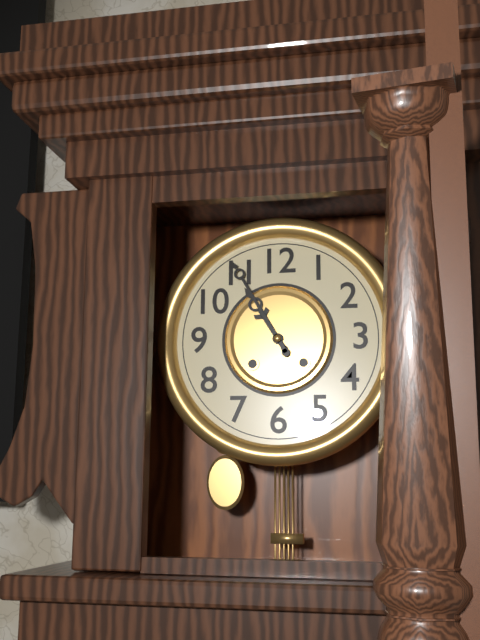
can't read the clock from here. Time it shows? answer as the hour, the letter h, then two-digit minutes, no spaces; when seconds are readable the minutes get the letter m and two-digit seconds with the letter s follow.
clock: 10h55
